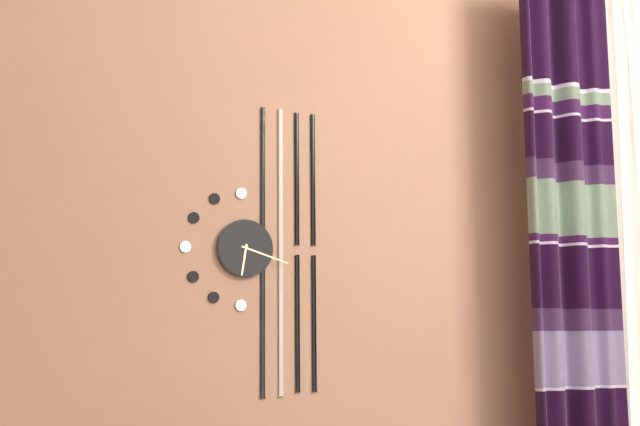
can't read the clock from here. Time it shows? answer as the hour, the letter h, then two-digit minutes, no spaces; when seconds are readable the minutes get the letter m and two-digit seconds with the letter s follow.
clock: 6h18
